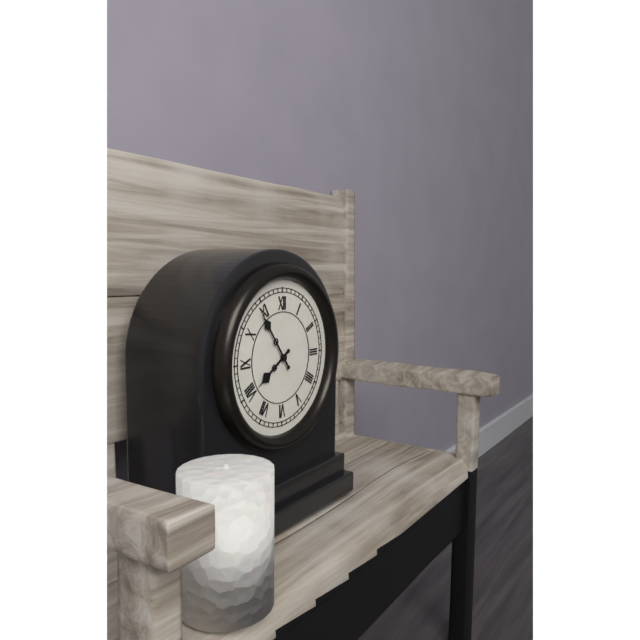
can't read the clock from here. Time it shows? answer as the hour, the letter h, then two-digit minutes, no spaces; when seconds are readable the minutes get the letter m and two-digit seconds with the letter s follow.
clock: 7h54
